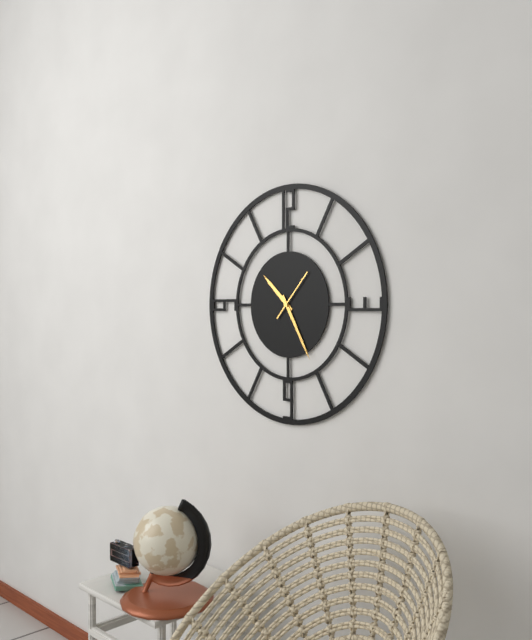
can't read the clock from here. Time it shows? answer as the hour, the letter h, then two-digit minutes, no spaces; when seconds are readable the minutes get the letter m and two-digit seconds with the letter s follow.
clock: 10h25
